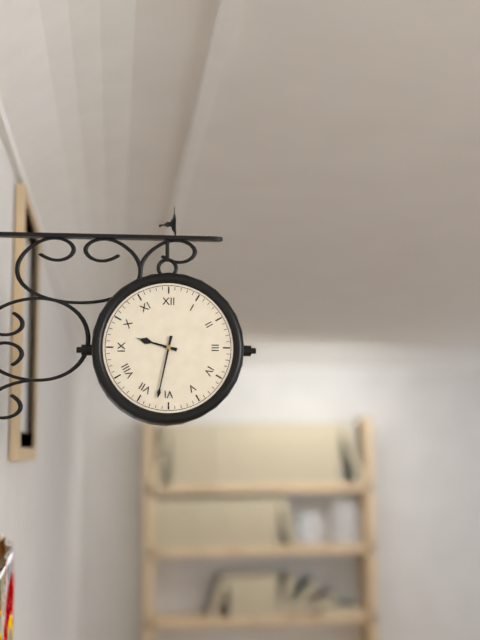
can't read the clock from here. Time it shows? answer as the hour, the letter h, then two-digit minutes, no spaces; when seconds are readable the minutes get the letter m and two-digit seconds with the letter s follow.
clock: 9h32
